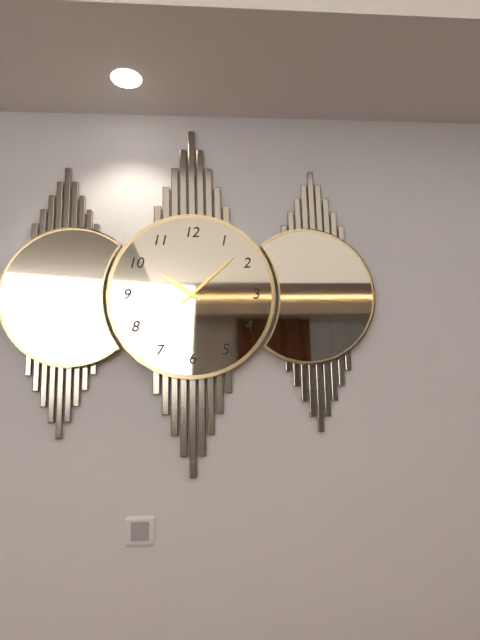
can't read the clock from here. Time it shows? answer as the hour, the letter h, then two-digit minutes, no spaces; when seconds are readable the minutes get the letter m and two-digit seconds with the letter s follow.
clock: 10h08
